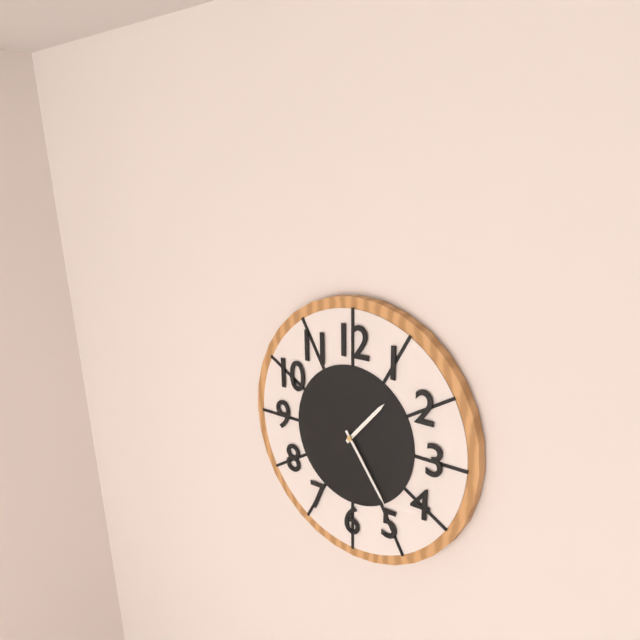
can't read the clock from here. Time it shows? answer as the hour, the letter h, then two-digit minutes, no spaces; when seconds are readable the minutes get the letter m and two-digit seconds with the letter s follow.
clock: 1h24
